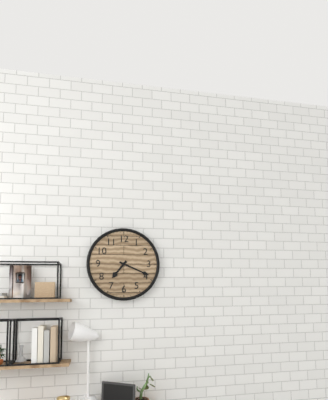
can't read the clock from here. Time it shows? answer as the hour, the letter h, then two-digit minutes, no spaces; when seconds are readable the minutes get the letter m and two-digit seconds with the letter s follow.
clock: 7h19
